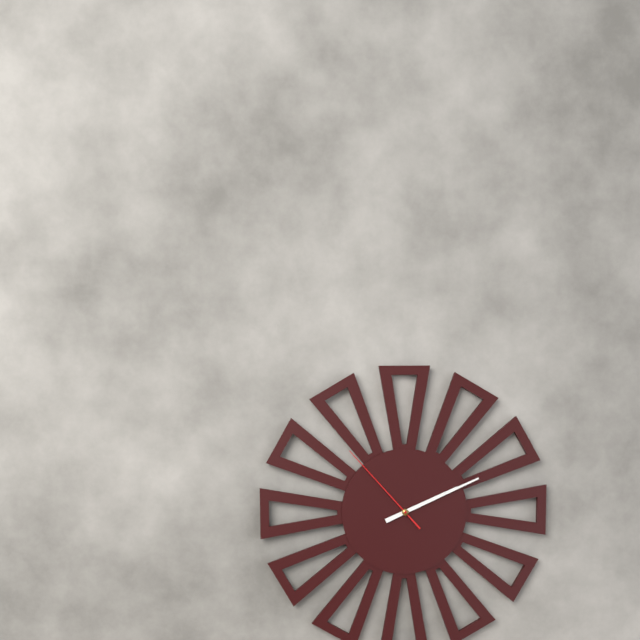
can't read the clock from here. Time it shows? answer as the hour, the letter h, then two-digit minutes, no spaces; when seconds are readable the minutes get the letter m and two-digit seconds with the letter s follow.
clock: 2h11m53s
